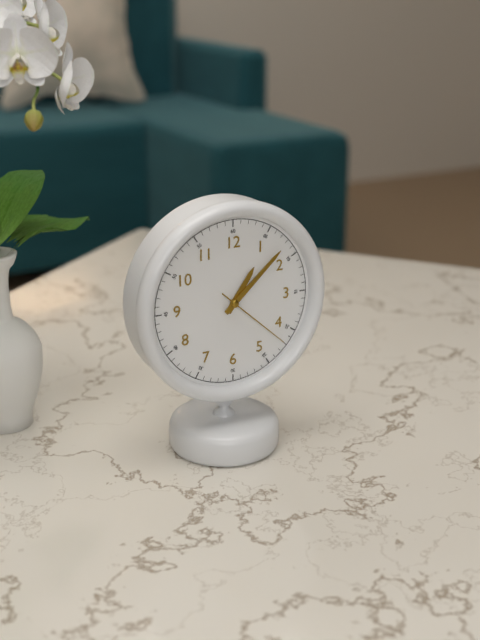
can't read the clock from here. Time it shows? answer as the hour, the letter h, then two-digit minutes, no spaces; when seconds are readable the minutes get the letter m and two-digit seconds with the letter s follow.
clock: 1h08m22s
